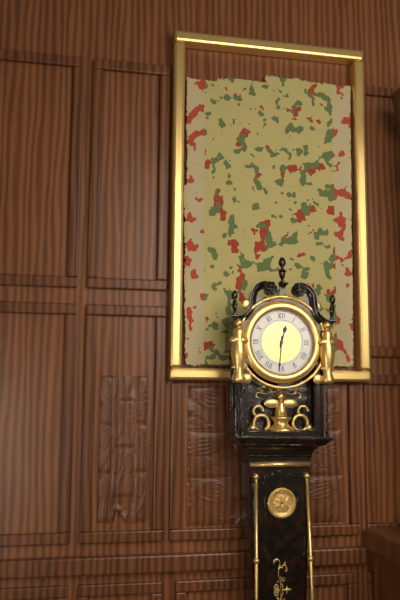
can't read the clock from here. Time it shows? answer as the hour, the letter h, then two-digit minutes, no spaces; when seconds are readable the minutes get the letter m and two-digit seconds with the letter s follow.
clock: 12h31
